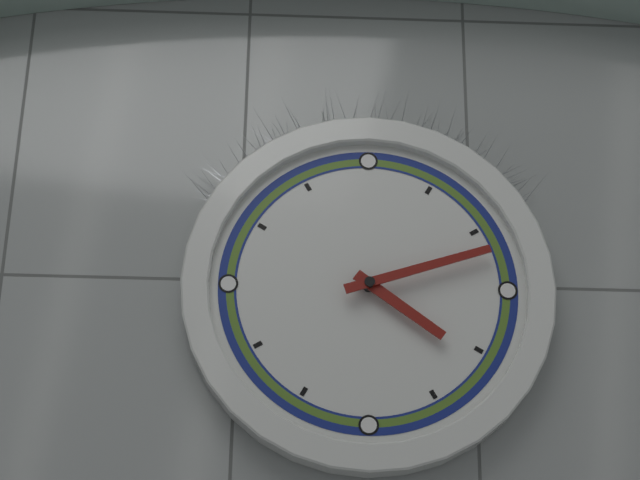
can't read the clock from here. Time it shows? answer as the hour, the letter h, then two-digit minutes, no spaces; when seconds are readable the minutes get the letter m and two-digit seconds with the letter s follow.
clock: 4h12
